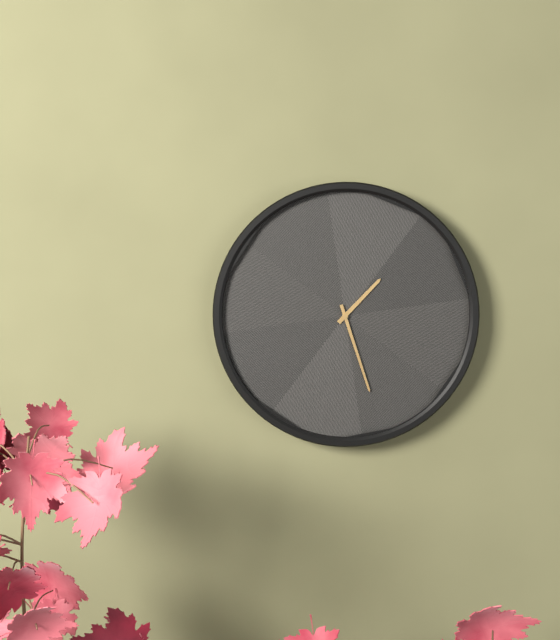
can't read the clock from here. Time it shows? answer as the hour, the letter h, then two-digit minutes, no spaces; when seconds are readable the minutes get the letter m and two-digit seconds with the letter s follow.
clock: 1h27
